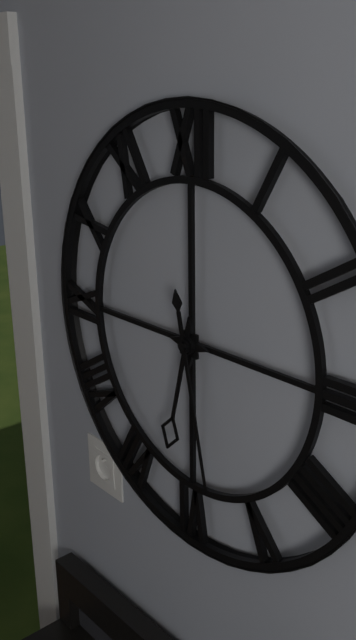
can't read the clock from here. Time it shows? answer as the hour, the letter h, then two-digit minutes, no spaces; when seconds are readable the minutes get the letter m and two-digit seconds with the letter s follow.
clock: 6h28
